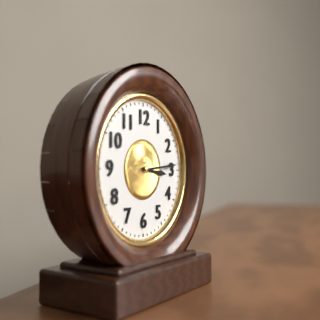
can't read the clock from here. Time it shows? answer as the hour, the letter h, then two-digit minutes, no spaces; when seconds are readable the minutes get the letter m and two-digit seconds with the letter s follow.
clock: 3h14
